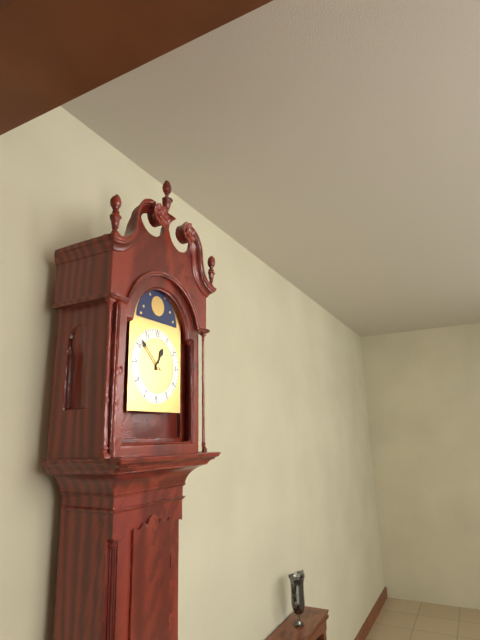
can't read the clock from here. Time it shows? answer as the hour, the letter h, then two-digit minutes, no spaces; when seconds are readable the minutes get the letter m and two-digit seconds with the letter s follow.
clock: 12h52
